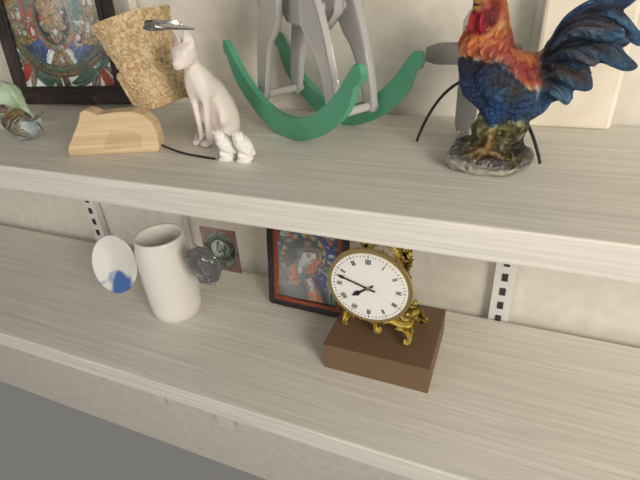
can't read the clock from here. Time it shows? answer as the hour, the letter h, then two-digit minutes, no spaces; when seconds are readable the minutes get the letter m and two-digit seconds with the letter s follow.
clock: 7h48
